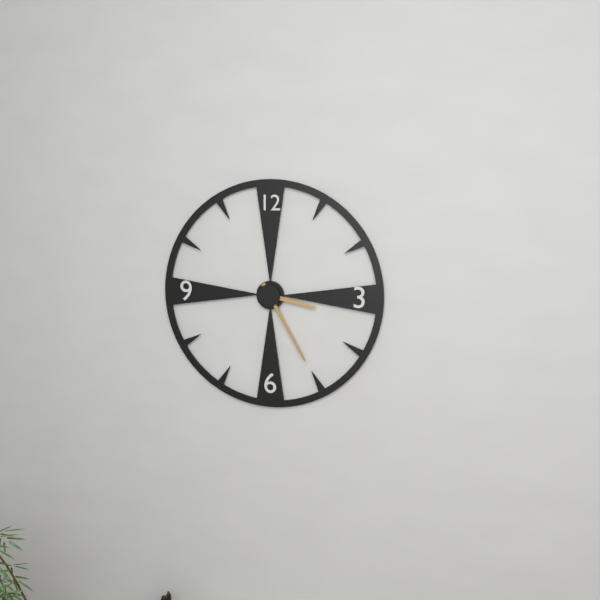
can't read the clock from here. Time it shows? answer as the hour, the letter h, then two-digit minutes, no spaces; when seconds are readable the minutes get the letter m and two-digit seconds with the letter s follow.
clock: 3h25
